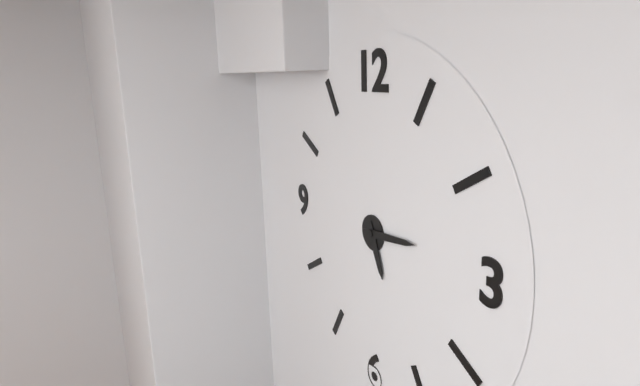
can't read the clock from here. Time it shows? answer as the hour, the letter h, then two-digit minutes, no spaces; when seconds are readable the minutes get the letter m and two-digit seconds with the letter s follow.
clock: 5h14
